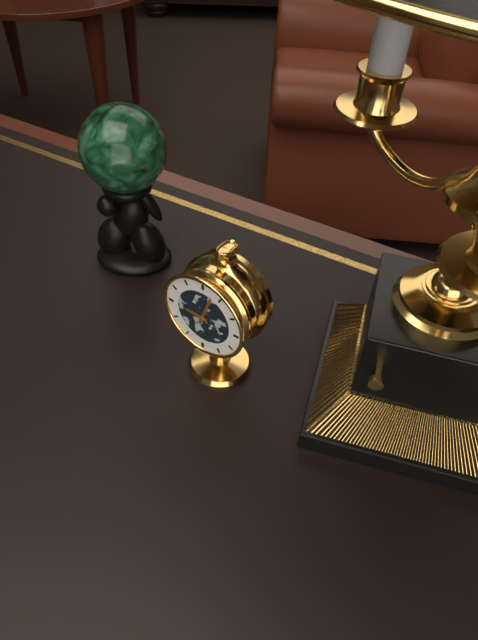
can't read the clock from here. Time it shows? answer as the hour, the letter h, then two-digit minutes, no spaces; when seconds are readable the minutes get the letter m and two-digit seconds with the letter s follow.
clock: 9h03
